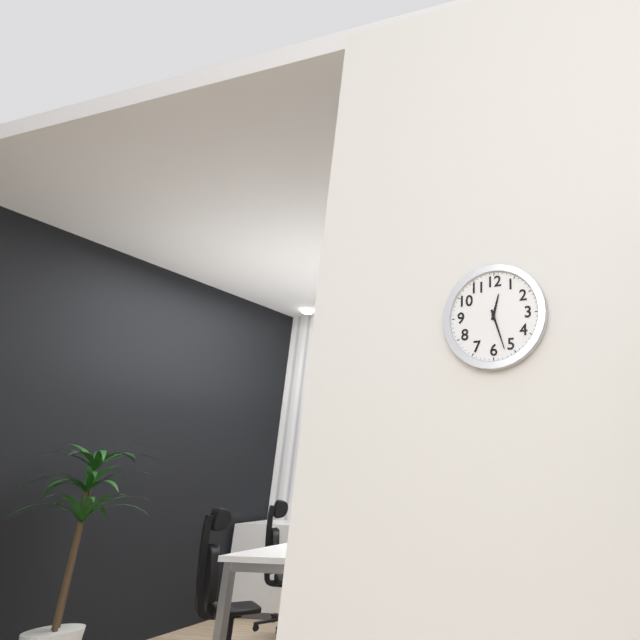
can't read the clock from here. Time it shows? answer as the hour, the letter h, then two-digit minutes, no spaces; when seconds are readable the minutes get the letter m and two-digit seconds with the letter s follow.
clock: 12h27
